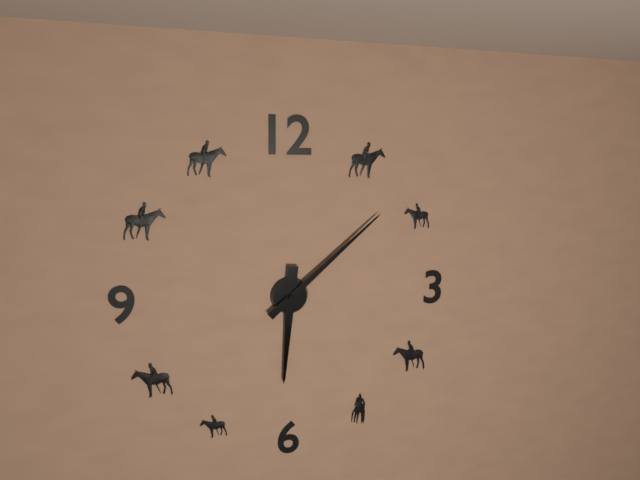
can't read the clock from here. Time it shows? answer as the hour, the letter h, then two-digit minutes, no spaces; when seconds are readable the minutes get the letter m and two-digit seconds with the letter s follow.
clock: 6h08
